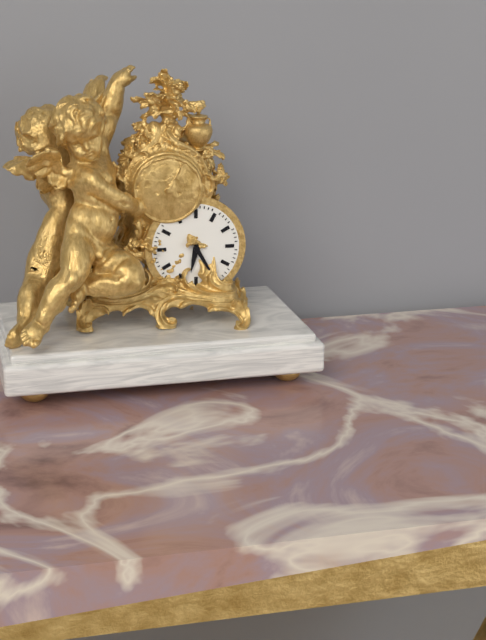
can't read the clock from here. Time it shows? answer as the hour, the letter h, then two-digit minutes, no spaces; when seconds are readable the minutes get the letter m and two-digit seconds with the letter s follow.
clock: 6h25
